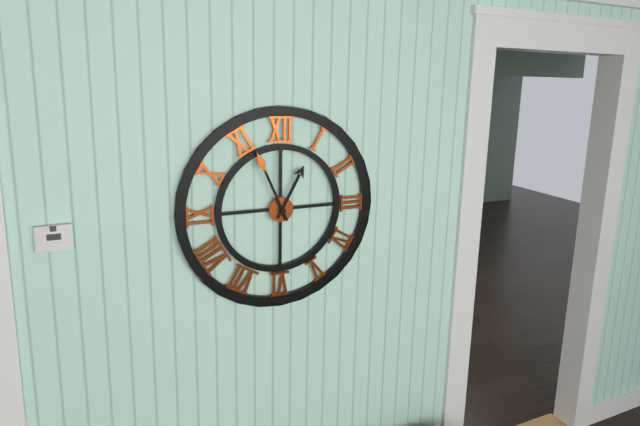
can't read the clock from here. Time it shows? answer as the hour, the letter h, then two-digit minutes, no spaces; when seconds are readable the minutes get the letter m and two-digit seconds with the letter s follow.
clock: 12h56
